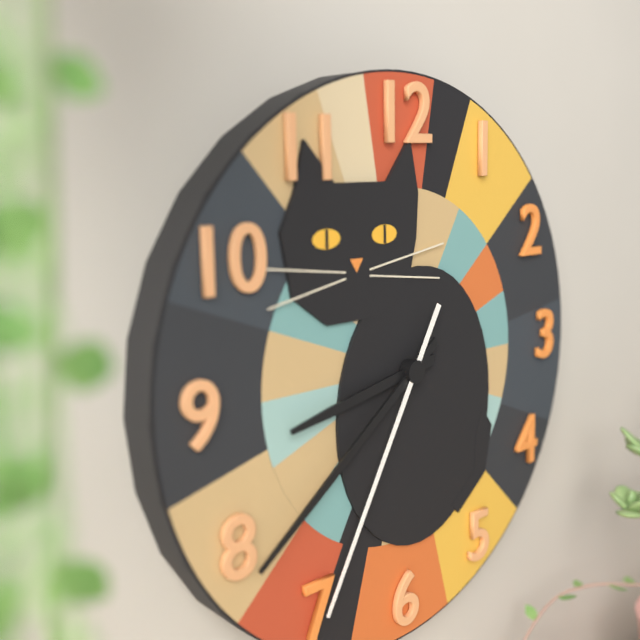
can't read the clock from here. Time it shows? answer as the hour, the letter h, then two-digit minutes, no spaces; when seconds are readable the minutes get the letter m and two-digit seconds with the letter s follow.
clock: 8h39m35s
